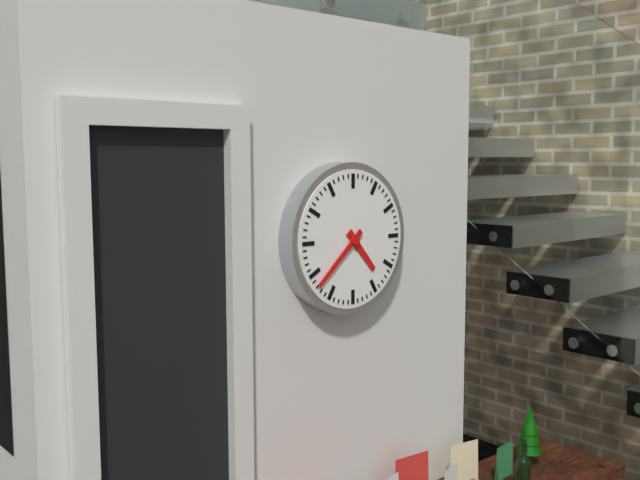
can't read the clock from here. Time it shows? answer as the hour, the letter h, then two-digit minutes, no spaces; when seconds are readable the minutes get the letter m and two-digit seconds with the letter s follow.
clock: 4h38
